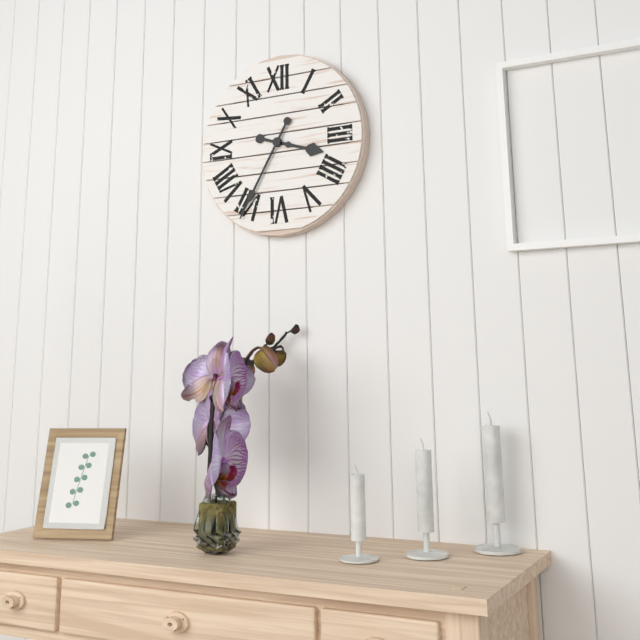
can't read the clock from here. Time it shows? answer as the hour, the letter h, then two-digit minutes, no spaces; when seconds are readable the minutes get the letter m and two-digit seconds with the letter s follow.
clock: 3h35
